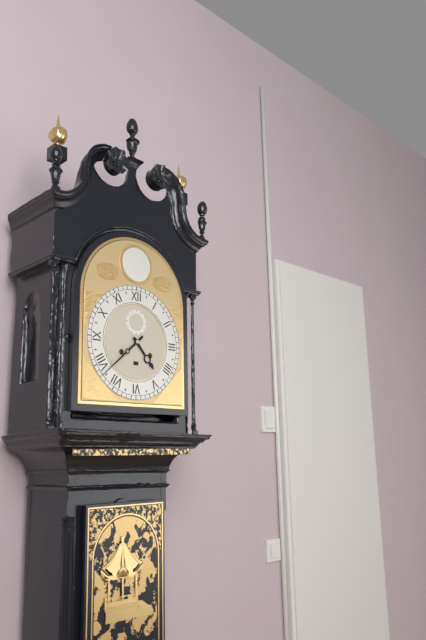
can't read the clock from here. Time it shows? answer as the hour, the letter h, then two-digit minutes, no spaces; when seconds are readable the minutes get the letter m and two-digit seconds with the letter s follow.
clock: 4h38
